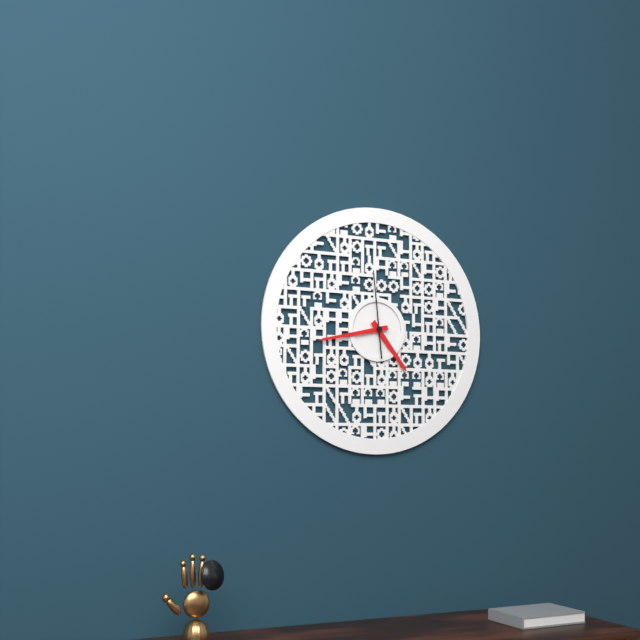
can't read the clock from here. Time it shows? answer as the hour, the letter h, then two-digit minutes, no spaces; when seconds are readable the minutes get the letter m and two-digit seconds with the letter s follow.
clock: 4h43m59s
